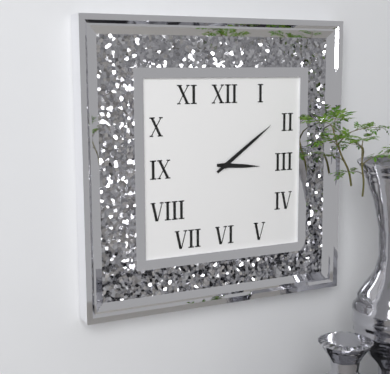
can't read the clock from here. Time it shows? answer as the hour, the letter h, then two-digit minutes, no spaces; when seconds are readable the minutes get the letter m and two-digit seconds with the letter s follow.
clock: 3h09
